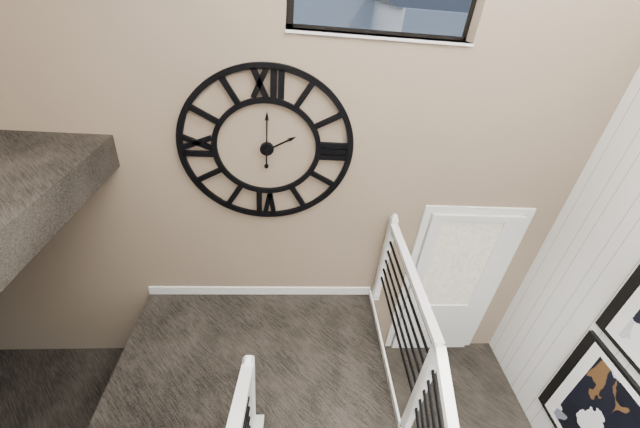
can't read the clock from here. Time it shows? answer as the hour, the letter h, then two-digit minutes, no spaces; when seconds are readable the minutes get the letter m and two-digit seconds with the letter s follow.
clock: 2h00
